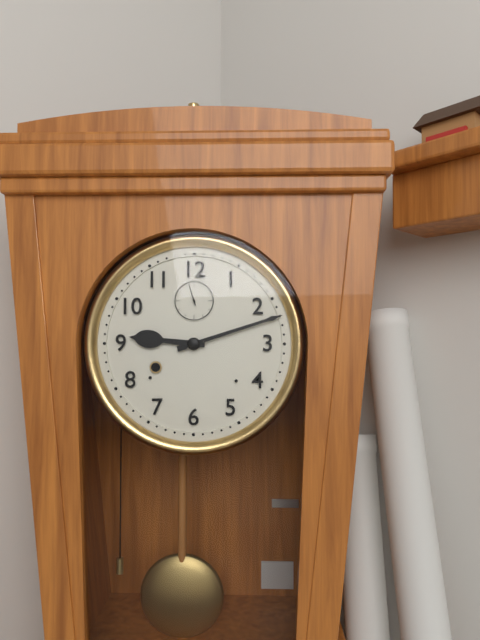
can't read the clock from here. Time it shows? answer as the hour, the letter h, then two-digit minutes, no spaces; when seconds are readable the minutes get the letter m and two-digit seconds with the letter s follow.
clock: 9h12
